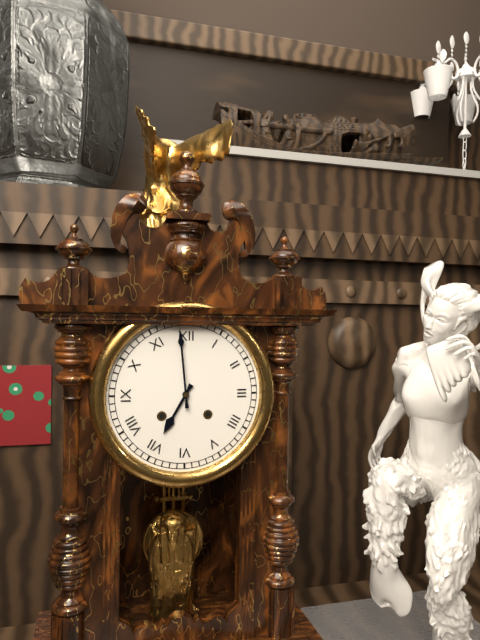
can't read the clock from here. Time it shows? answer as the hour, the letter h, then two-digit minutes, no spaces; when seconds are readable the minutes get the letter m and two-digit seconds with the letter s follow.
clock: 6h59
